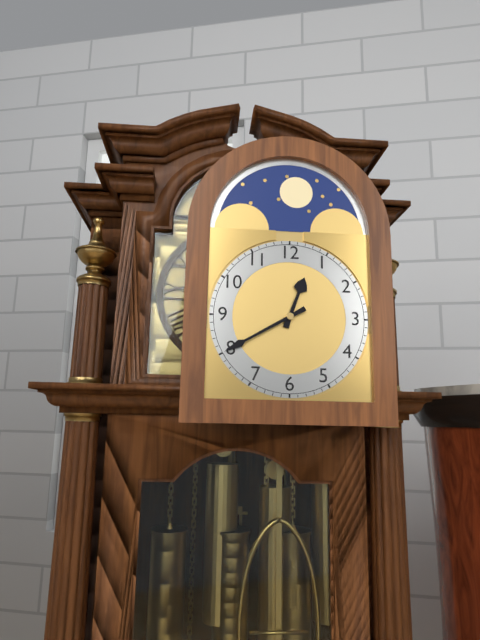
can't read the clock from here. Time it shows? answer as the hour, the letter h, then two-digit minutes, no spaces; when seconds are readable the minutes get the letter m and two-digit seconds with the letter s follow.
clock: 12h40
